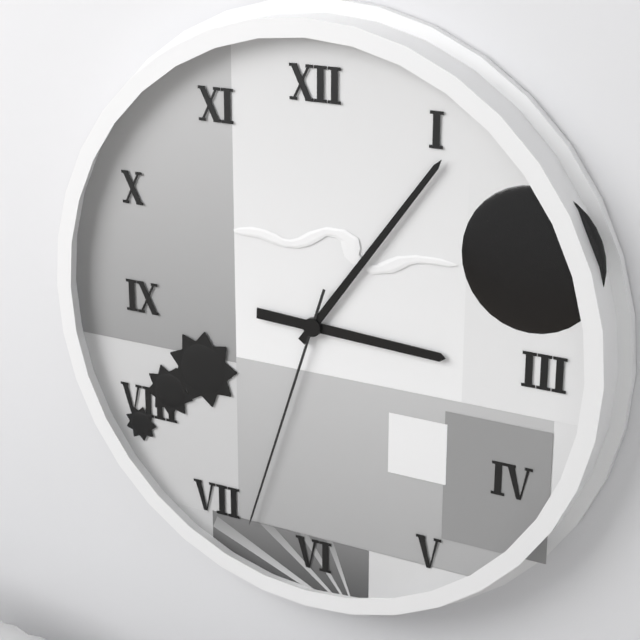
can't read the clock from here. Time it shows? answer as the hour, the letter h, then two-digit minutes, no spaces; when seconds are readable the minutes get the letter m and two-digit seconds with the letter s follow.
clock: 3h06m33s
